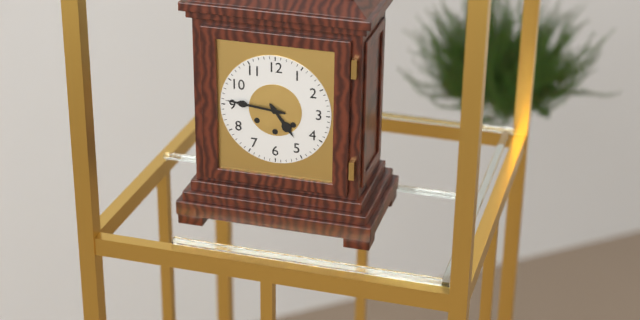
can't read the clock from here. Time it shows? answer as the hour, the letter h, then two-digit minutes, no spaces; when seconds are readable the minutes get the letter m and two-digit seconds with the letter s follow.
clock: 4h46
